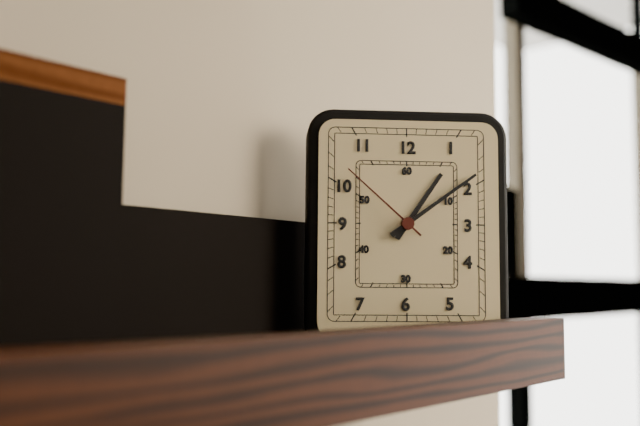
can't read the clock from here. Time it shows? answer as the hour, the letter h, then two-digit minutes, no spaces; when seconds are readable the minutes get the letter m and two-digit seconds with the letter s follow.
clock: 1h09m52s
